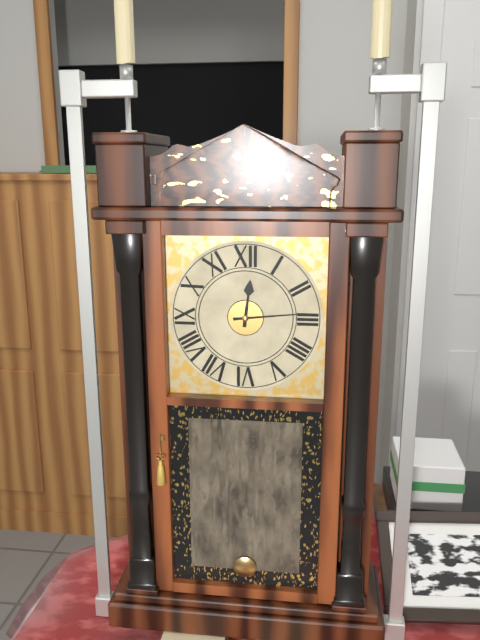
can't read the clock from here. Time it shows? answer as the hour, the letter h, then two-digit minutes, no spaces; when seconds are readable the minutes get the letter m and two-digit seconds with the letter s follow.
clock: 12h14
